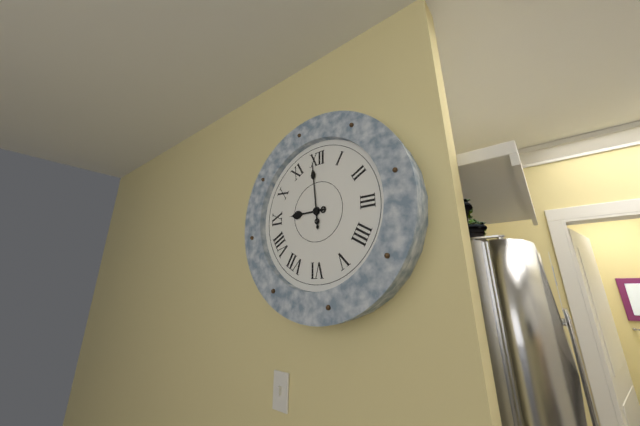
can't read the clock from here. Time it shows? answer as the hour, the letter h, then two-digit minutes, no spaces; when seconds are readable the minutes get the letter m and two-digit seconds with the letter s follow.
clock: 8h59
